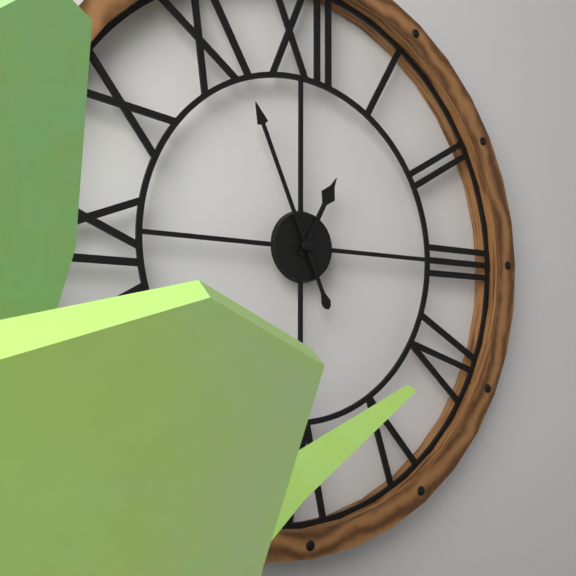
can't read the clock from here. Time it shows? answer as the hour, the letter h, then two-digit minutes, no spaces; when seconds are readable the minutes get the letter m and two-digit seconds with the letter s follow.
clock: 12h56
